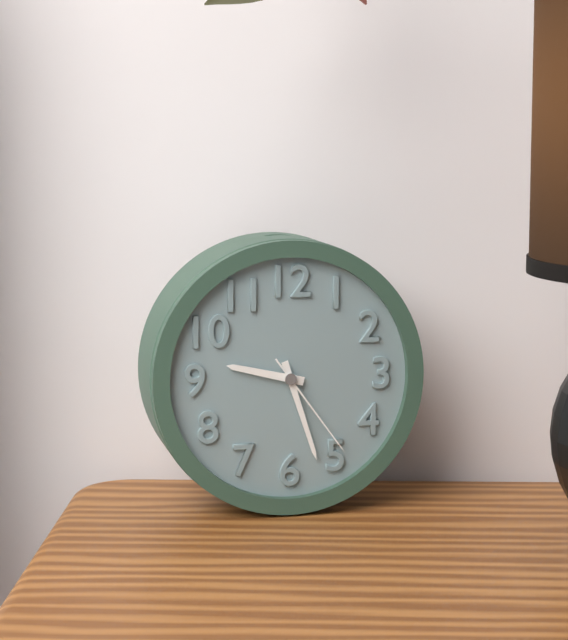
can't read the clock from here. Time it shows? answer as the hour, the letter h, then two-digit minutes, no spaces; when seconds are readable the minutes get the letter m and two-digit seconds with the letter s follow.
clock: 9h27m24s
